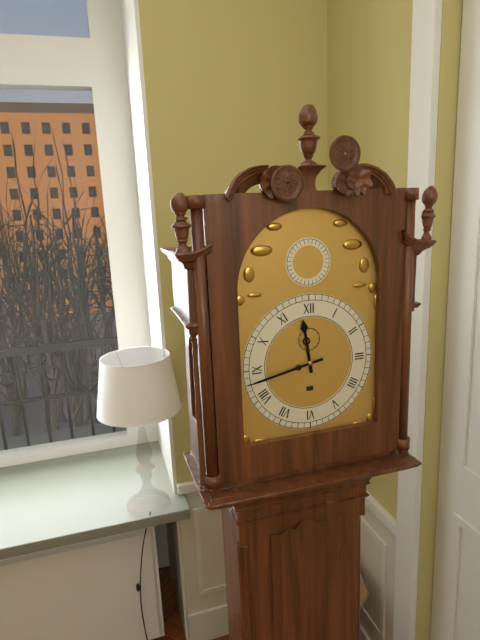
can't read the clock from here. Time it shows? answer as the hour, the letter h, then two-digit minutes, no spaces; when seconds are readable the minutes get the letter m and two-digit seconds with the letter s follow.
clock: 11h43
